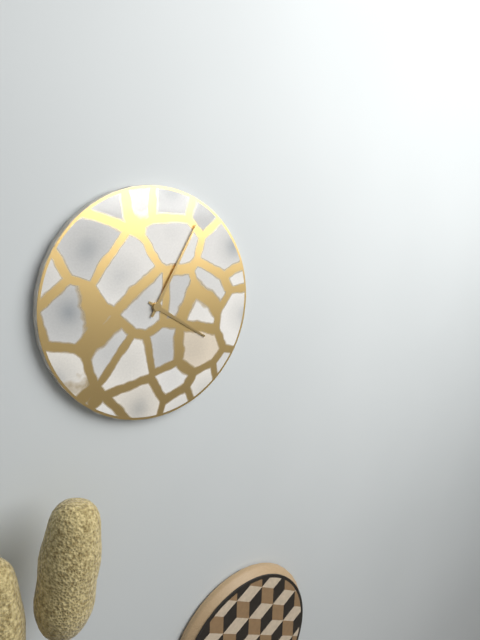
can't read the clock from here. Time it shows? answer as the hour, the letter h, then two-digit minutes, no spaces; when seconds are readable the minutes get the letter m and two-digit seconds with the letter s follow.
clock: 4h05
